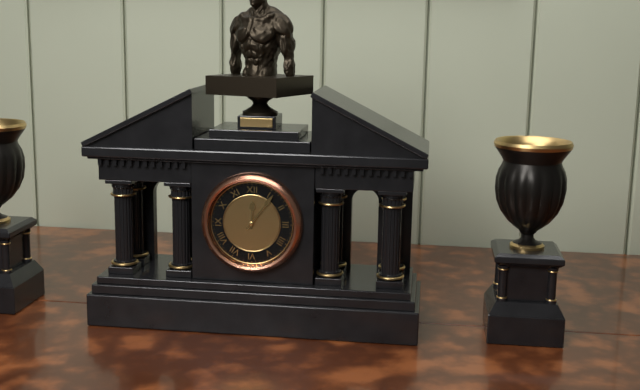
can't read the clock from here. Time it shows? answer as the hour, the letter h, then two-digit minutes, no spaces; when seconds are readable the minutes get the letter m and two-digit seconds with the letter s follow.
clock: 12h06
